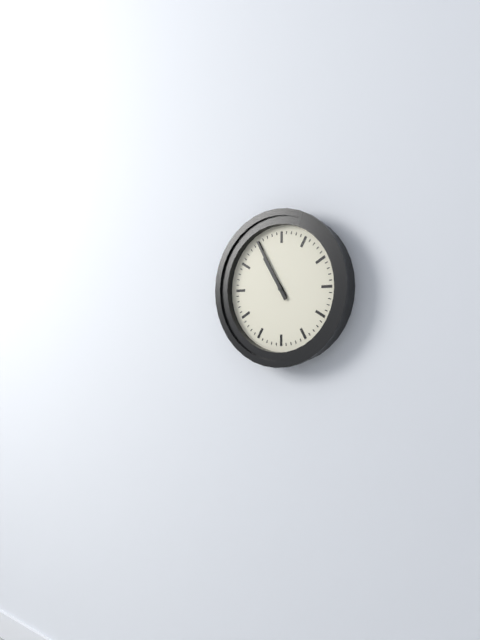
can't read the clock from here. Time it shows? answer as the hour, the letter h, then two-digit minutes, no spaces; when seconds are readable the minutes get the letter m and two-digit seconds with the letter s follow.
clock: 10h55
